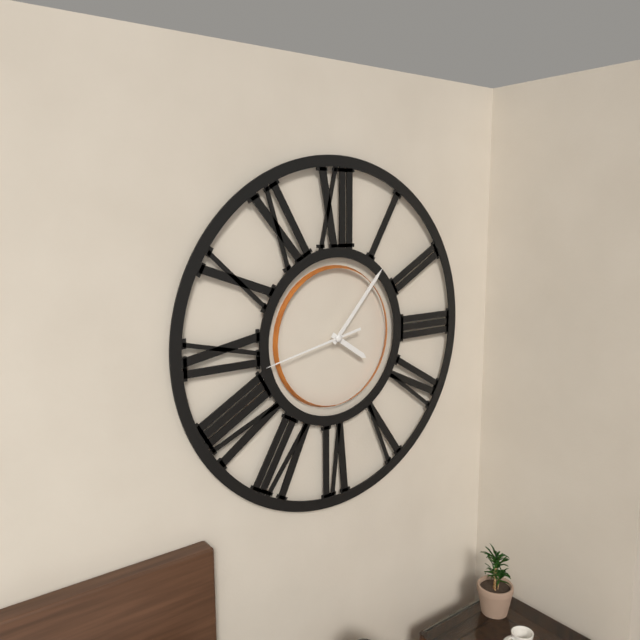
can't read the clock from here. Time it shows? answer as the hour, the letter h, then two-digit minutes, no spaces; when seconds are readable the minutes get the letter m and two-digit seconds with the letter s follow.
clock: 4h07m43s
